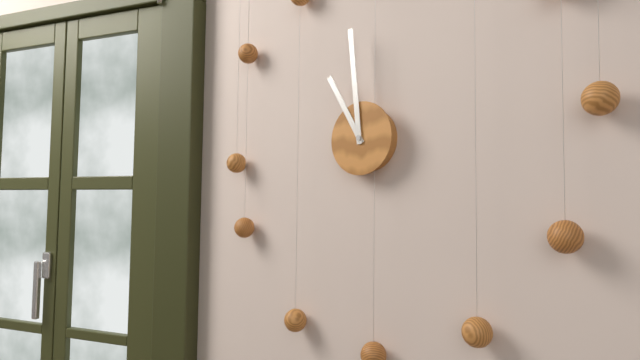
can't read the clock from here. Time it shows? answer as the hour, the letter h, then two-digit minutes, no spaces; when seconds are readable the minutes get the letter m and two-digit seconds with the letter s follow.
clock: 10h59
